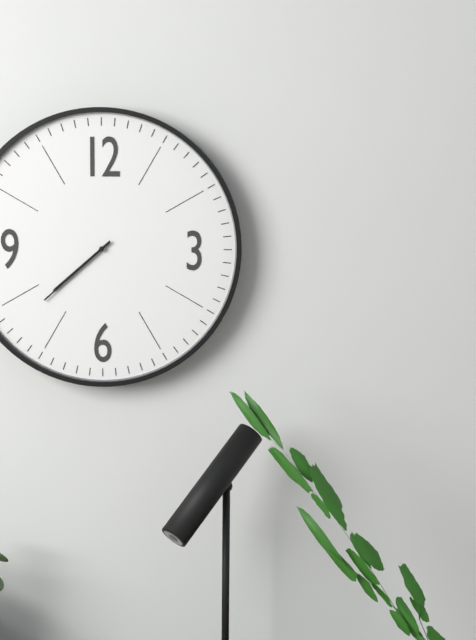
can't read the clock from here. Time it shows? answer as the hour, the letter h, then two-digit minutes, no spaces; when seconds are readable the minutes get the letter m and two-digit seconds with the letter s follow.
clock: 7h38
